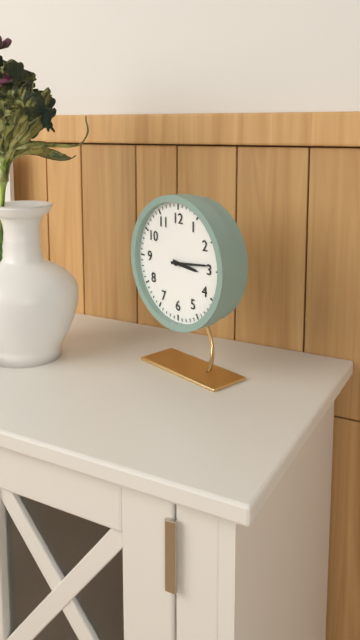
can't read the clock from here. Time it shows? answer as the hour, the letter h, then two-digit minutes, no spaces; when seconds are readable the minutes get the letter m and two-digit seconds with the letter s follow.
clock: 3h14
